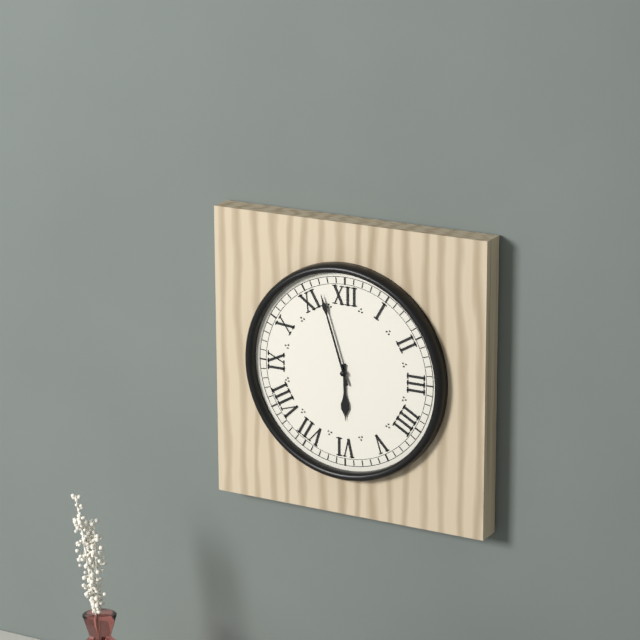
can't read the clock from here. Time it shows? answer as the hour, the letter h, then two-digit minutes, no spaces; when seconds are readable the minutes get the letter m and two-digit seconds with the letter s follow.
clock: 5h57
